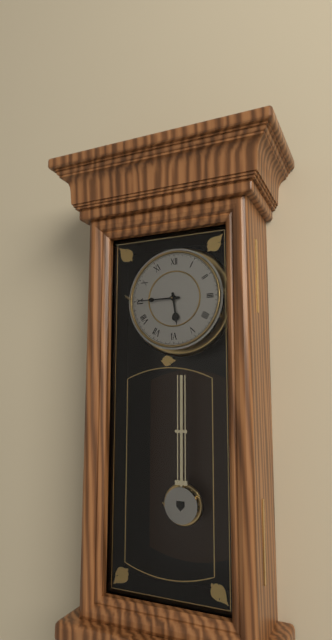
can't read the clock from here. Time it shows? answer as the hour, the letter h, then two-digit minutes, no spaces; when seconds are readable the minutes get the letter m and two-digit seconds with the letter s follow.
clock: 5h45
